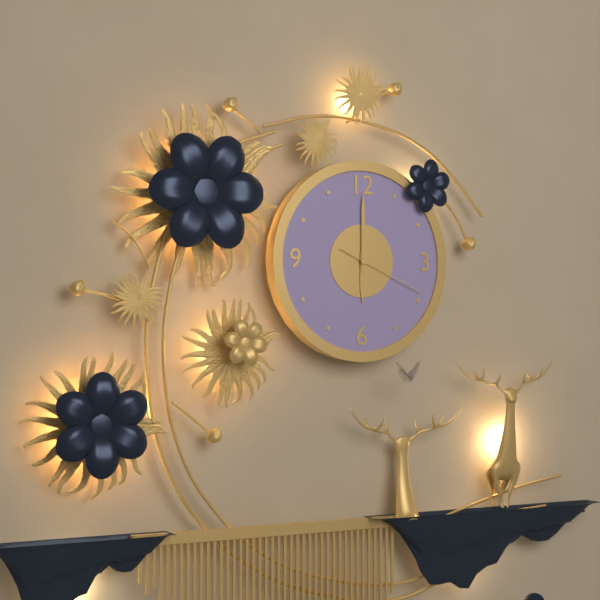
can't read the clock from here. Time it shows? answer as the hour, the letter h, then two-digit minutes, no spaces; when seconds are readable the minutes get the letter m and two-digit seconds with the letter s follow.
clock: 6h00m19s
